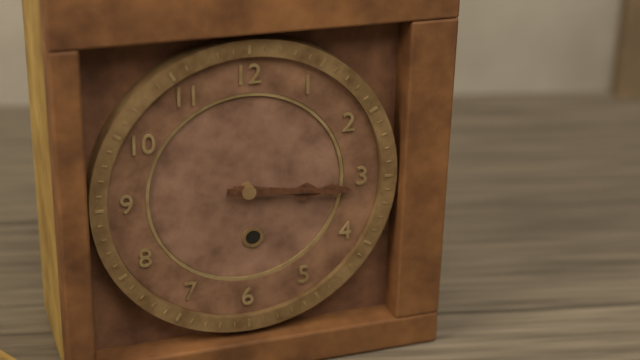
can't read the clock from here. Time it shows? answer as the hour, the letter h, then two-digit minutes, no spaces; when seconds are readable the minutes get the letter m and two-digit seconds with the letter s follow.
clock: 3h16
